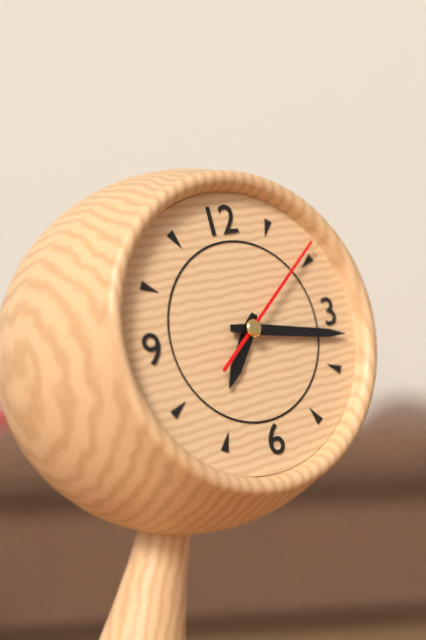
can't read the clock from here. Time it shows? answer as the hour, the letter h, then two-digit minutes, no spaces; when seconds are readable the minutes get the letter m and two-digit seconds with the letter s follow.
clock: 7h17m09s
